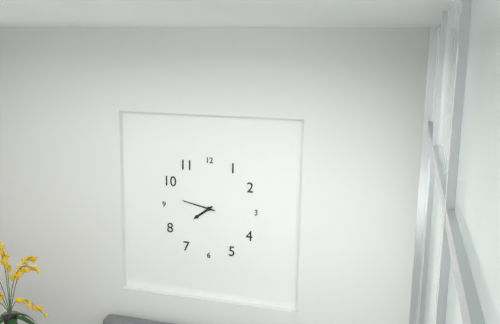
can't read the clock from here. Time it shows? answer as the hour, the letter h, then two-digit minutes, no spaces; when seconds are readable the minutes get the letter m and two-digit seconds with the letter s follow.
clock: 7h47
